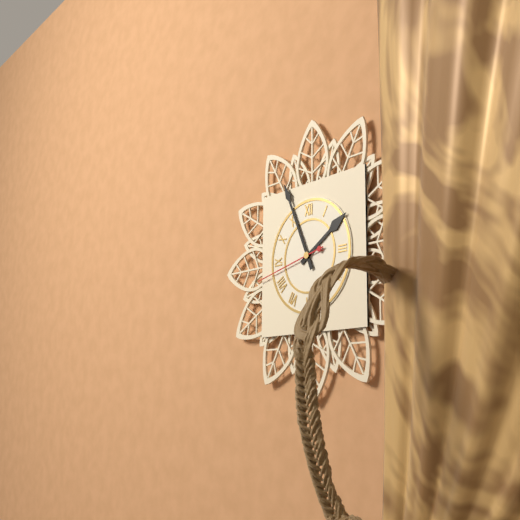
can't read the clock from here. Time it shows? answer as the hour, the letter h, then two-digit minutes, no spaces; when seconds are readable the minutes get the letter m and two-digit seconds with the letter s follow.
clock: 1h56m43s
